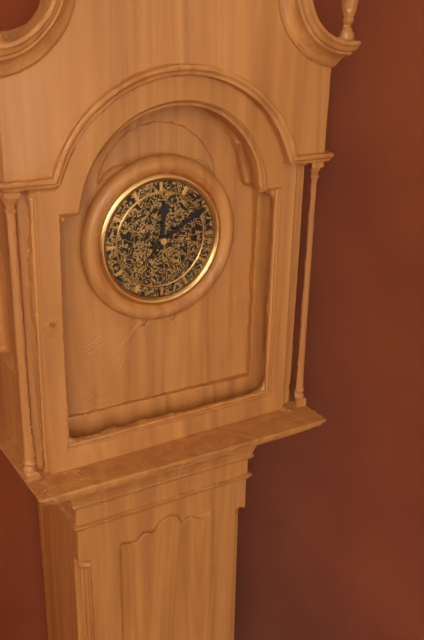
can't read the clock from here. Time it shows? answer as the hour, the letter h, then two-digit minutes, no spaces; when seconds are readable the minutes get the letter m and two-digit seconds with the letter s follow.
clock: 12h10
